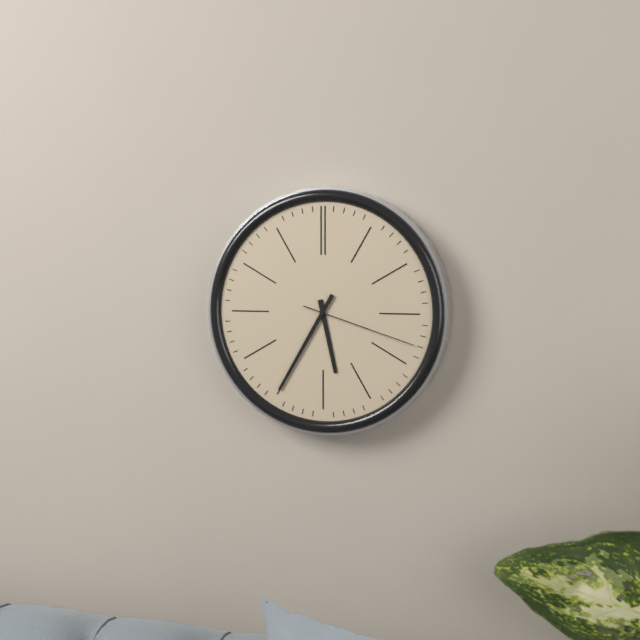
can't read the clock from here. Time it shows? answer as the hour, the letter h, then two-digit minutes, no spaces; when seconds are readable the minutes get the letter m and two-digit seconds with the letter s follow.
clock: 5h35m18s
